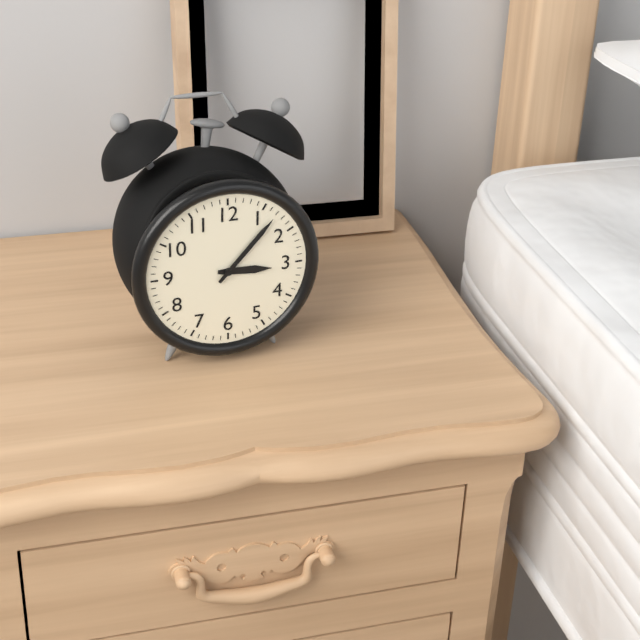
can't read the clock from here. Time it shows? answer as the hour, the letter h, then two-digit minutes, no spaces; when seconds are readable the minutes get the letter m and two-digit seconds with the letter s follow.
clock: 3h07
